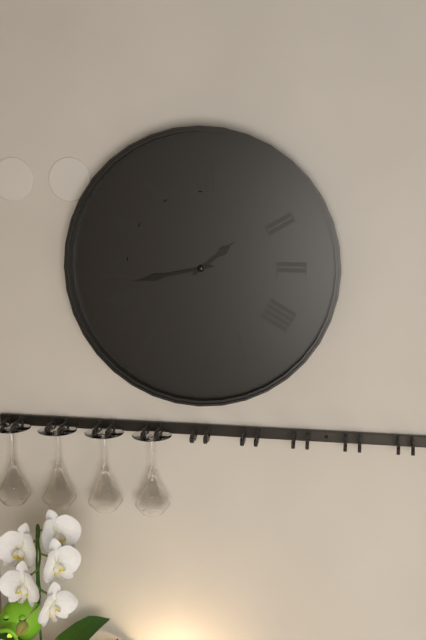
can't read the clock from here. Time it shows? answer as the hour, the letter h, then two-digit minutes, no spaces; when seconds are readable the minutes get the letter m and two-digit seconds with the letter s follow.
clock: 1h43
